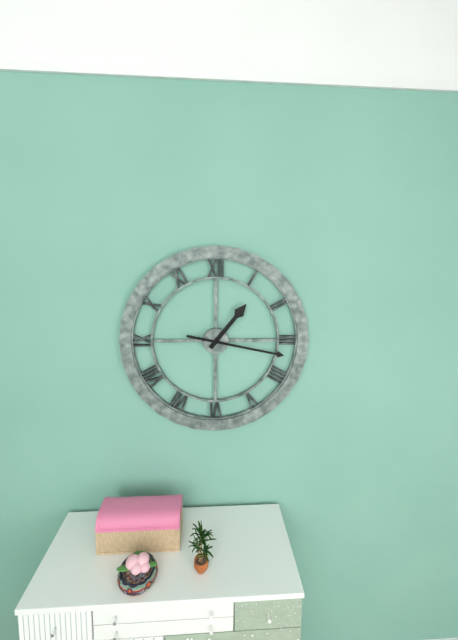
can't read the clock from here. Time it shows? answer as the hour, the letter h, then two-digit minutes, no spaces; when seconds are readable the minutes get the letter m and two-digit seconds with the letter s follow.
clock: 1h17
